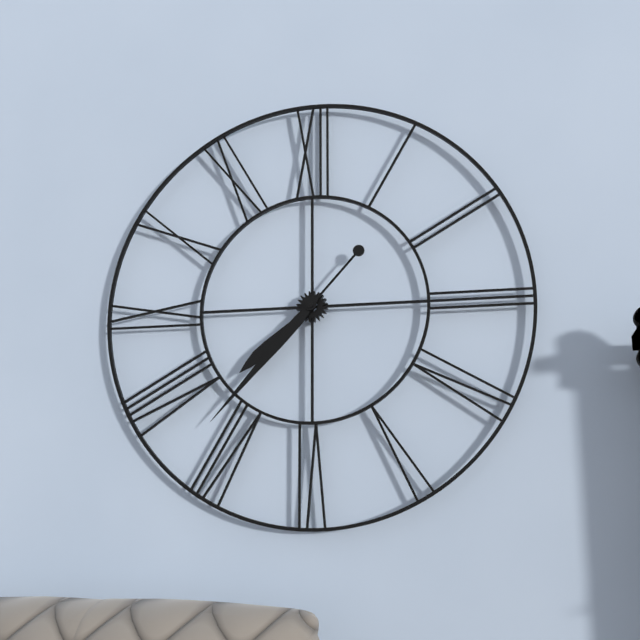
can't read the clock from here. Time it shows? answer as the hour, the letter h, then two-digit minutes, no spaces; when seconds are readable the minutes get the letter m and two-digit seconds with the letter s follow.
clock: 7h37
